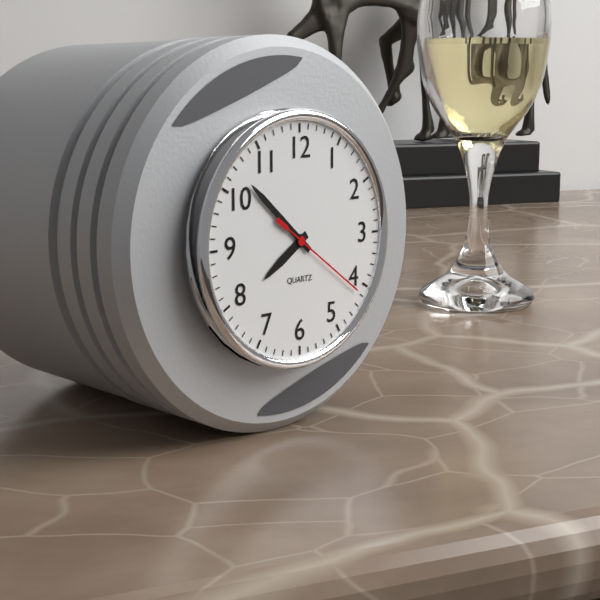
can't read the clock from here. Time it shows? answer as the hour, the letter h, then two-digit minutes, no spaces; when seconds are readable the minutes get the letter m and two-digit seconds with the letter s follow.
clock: 7h52m21s
